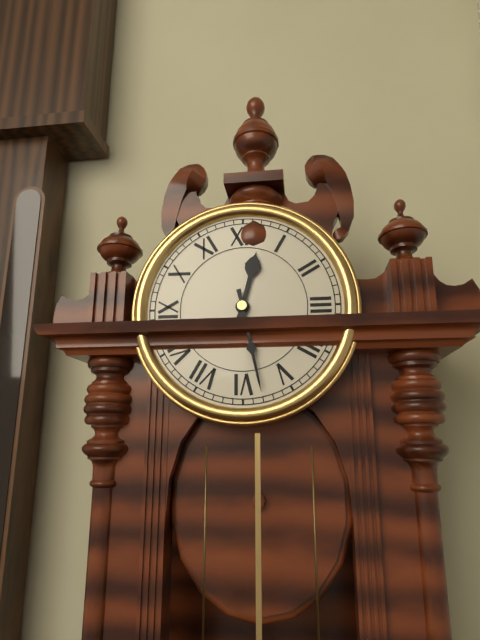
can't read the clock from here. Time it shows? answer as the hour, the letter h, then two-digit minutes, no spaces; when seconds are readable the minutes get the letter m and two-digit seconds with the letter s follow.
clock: 12h28
